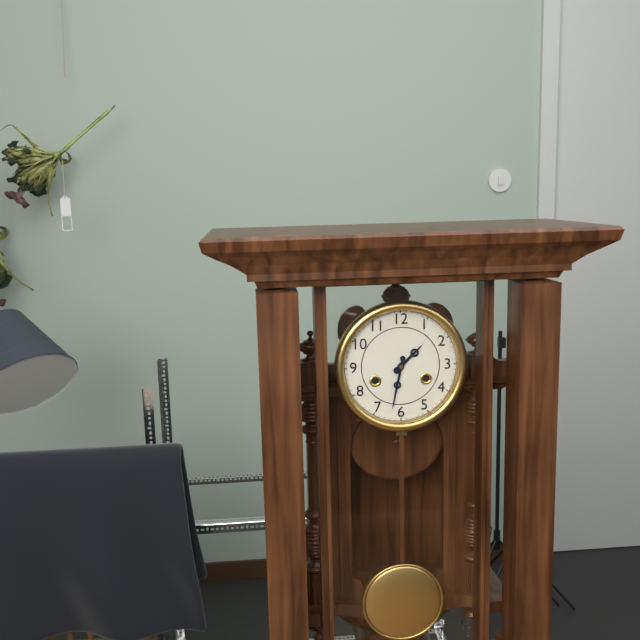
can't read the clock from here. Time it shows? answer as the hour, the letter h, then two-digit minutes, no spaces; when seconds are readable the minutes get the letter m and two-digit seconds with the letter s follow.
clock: 1h32
